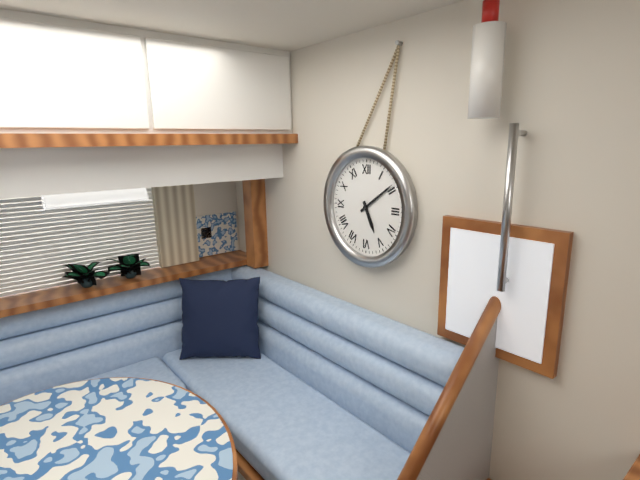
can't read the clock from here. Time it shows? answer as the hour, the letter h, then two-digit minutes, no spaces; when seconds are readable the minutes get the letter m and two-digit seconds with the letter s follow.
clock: 5h09
